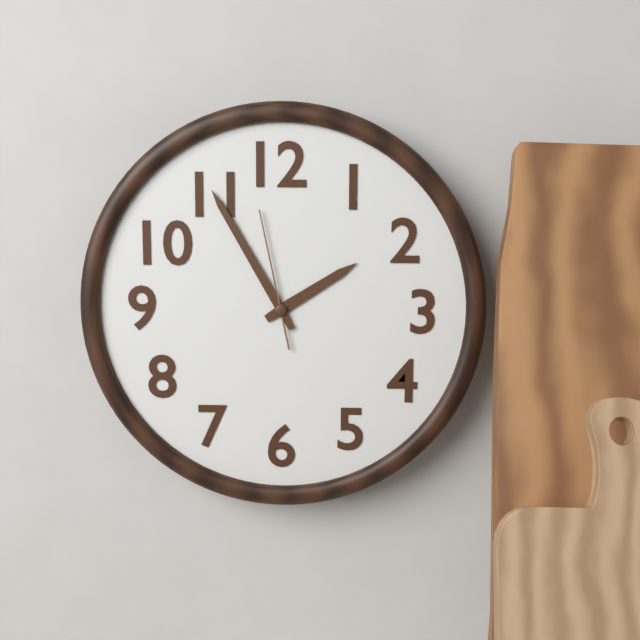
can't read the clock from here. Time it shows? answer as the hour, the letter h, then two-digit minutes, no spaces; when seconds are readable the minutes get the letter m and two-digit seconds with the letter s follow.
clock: 1h55m58s
